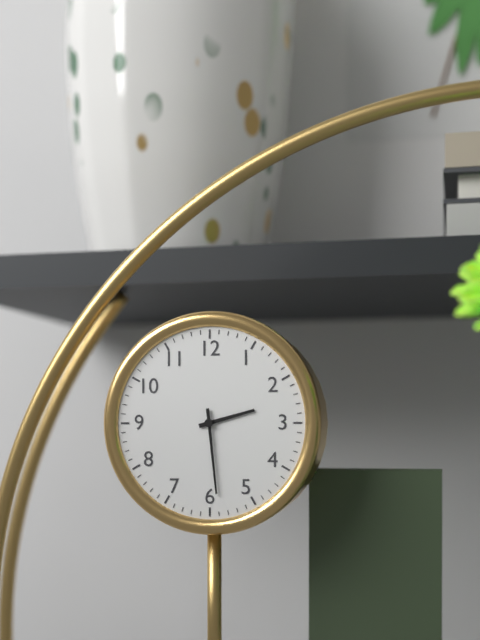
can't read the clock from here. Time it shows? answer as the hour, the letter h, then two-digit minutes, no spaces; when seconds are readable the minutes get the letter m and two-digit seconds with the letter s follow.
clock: 2h29
